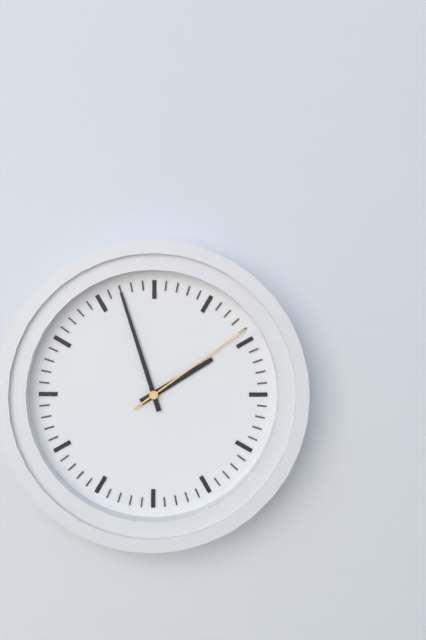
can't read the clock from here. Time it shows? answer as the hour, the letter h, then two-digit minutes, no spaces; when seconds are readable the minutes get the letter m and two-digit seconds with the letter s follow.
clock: 1h57m09s
